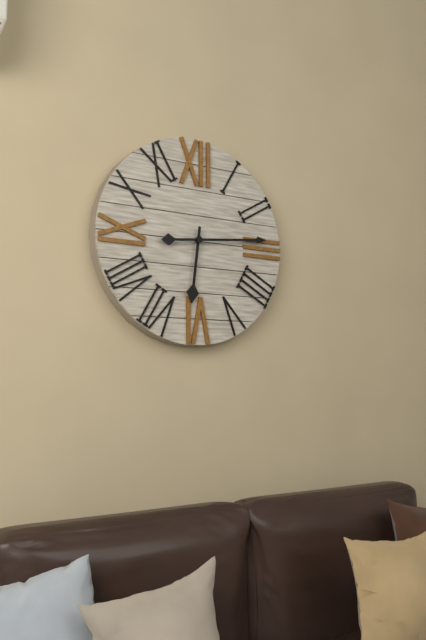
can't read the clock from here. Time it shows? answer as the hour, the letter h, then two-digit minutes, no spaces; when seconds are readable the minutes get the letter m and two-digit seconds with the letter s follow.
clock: 6h14
